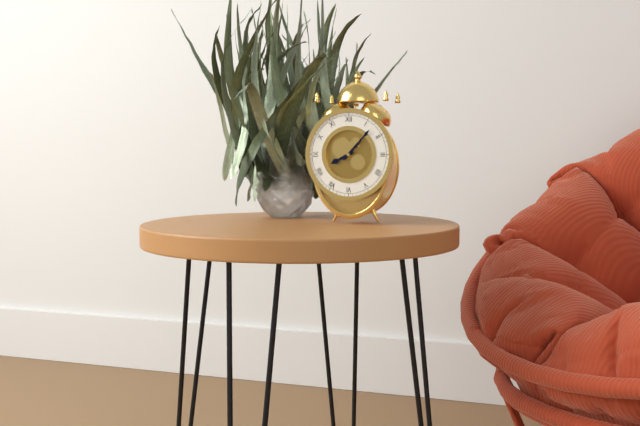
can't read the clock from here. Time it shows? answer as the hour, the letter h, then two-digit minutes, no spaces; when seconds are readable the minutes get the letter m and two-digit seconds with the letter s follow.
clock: 8h07
